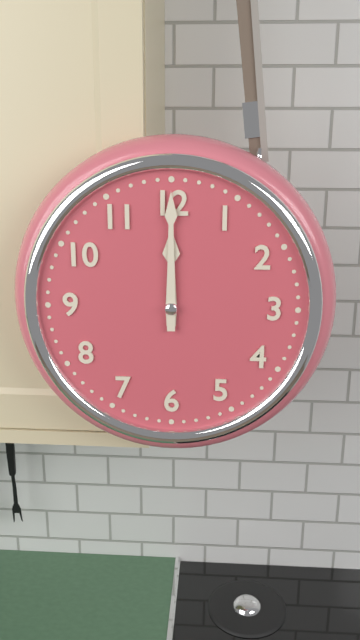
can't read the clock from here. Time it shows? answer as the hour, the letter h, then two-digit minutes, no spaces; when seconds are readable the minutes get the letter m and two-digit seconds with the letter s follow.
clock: 12h00
